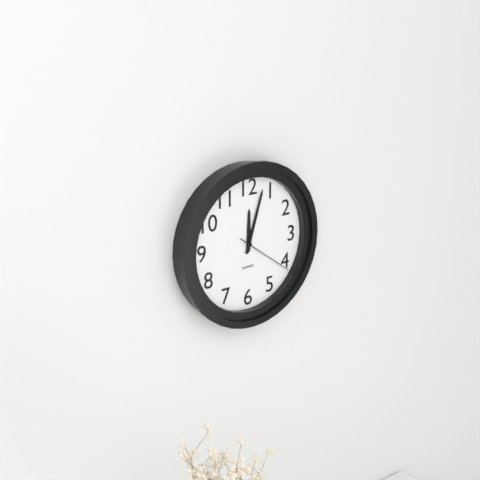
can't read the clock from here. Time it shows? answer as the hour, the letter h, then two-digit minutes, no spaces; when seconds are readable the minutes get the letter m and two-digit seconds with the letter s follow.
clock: 12h03m21s
